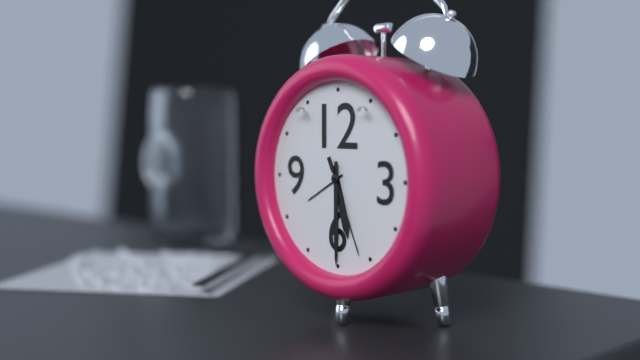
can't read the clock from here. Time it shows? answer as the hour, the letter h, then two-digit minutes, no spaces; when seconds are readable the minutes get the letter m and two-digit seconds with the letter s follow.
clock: 5h30m26s
